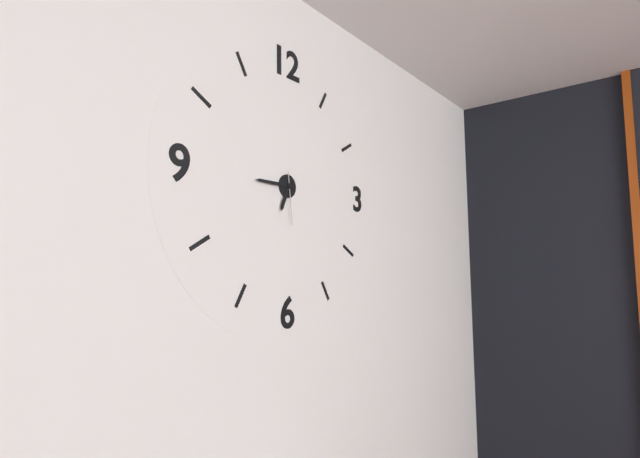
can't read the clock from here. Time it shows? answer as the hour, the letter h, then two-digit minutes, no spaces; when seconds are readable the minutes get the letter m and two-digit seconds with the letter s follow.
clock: 6h45
